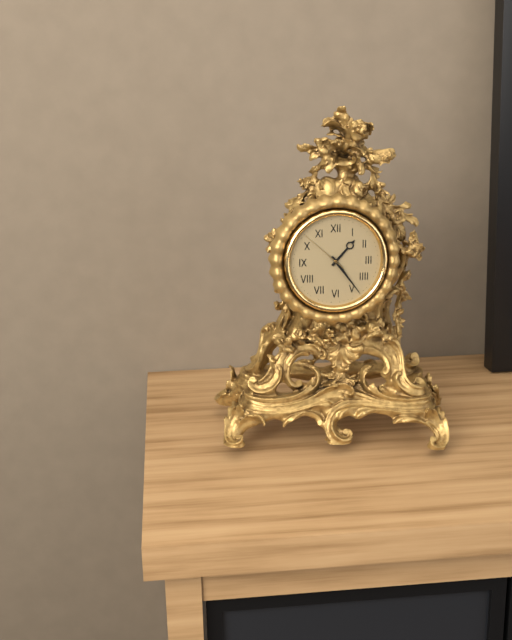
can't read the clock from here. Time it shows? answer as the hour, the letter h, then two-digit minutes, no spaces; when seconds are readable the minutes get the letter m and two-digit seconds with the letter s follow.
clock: 1h24
